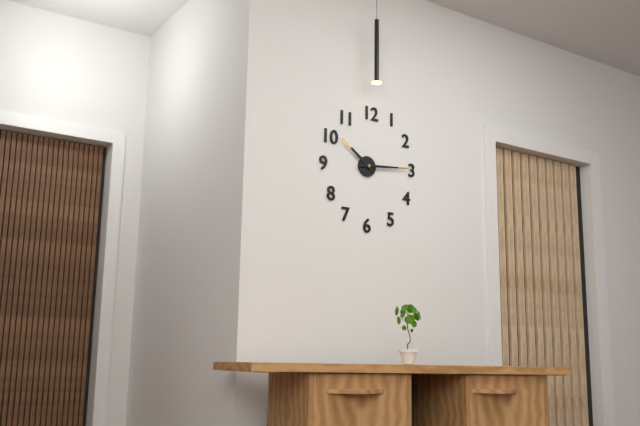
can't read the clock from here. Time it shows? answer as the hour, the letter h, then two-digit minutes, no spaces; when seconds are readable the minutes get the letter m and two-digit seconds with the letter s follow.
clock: 10h14
